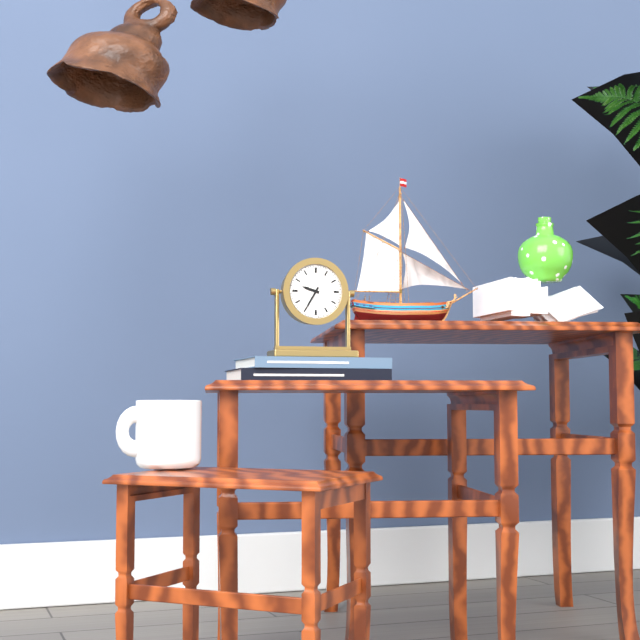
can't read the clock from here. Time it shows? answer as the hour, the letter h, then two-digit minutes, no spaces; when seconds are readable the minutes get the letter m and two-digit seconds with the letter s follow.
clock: 9h35
